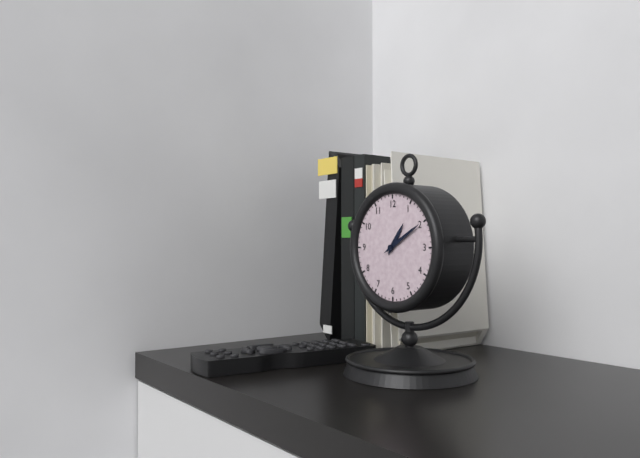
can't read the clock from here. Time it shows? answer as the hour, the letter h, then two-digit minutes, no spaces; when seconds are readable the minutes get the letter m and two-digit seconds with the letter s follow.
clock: 1h10
